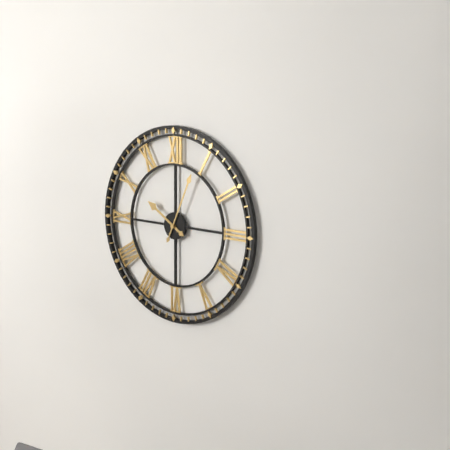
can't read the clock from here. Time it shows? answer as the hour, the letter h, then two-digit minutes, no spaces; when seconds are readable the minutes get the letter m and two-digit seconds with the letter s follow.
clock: 10h04
